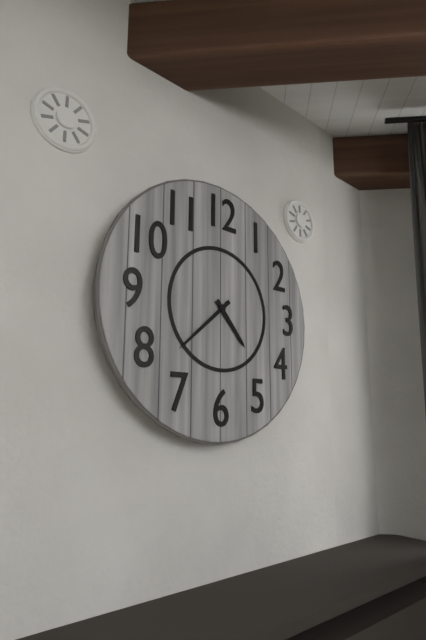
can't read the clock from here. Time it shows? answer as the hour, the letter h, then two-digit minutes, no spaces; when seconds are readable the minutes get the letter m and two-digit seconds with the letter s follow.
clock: 4h38
